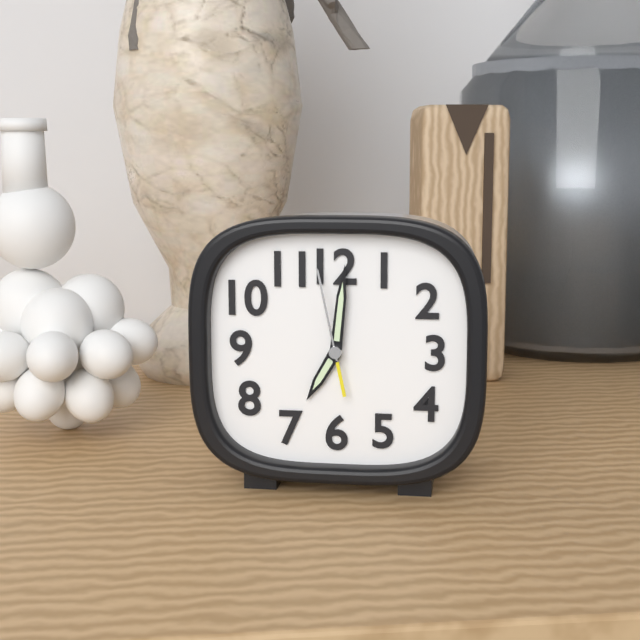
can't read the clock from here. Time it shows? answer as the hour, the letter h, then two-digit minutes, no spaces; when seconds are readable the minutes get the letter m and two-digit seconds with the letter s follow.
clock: 7h01m58s
